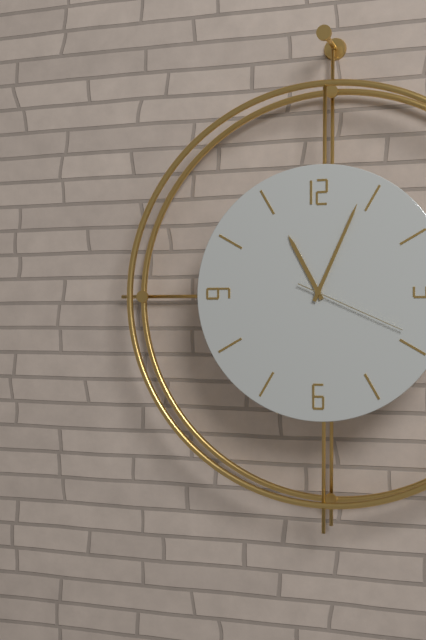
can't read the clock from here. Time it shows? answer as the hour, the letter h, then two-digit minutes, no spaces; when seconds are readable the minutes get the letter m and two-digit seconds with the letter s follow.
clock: 11h04m19s
